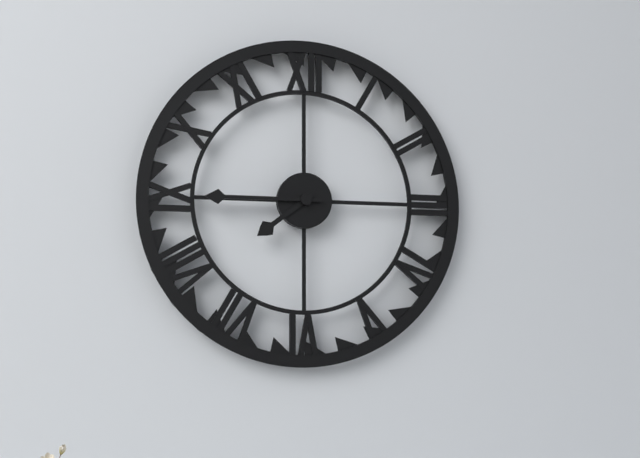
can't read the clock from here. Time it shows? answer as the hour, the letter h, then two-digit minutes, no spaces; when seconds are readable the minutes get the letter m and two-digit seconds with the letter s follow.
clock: 7h45
